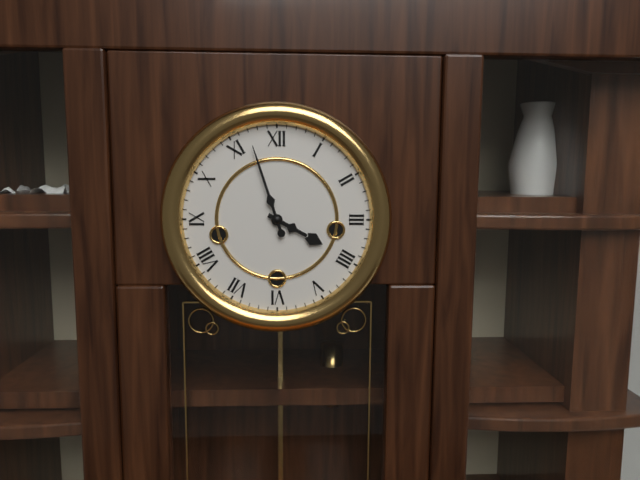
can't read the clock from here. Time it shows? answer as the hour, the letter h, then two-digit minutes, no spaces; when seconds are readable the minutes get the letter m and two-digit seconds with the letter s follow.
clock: 3h57
